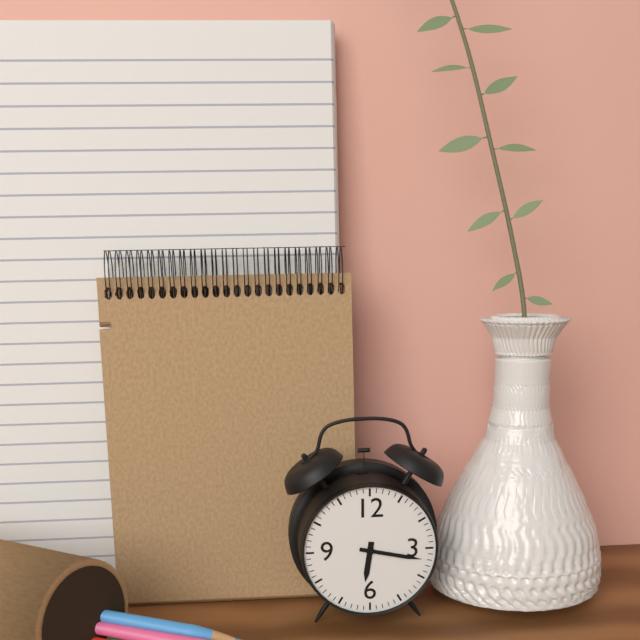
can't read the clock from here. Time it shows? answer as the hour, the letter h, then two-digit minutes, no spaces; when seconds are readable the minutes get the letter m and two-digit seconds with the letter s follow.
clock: 6h17
